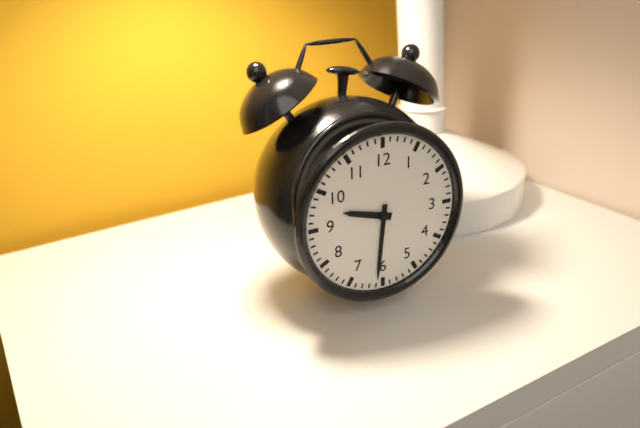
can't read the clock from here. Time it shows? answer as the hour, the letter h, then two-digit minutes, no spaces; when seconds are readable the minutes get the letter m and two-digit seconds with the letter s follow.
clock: 9h31
